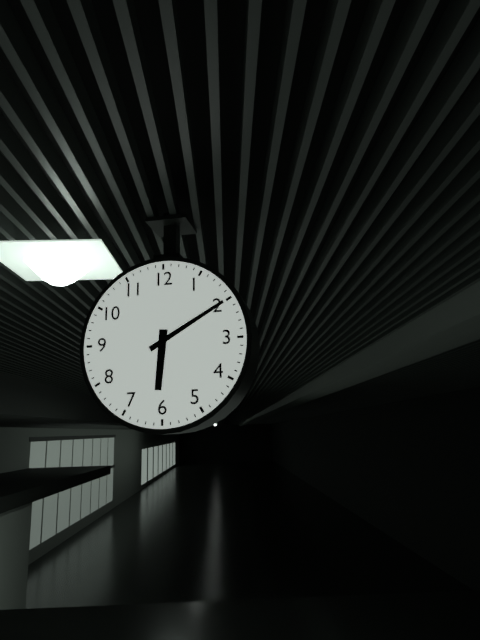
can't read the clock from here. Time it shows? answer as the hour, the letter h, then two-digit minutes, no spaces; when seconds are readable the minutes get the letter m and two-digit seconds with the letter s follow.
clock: 6h10
